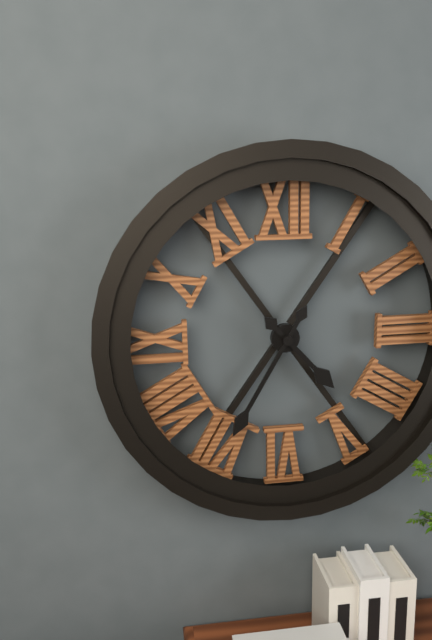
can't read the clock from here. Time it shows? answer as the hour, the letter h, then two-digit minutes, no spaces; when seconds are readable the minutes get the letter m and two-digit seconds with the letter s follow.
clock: 4h35
